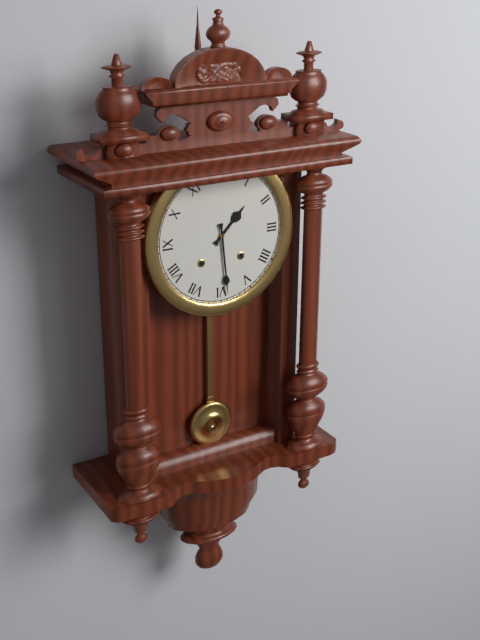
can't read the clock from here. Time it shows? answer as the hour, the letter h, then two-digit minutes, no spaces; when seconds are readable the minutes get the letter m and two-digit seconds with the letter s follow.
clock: 1h29
